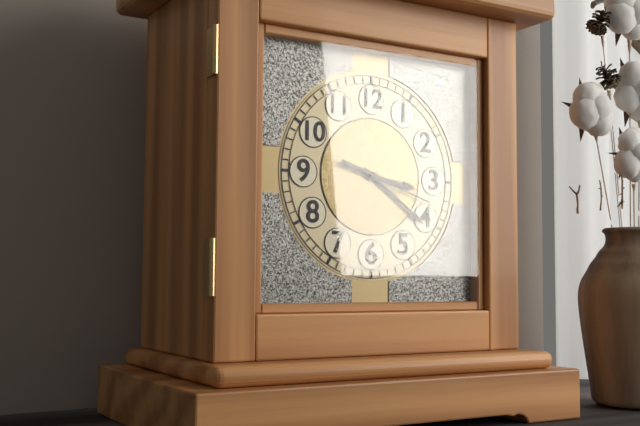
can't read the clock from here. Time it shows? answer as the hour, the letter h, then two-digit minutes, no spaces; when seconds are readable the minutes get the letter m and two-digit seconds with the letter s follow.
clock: 3h21m18s
